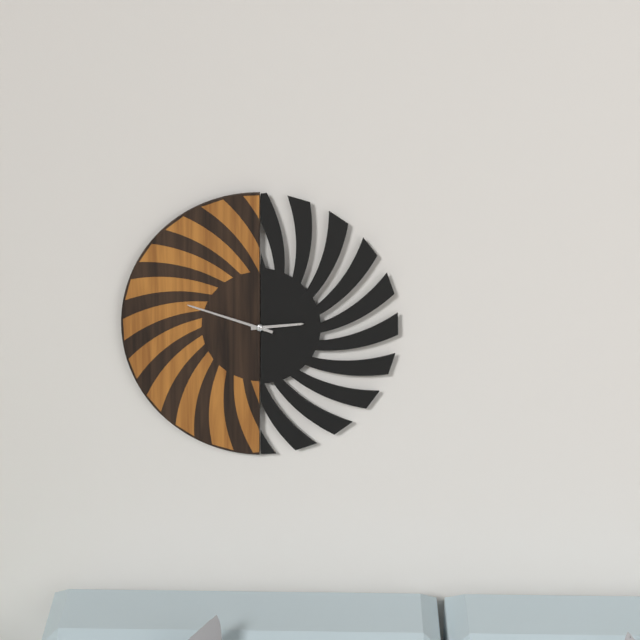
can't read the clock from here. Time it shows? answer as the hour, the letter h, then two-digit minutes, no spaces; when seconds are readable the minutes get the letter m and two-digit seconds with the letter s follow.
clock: 2h48
